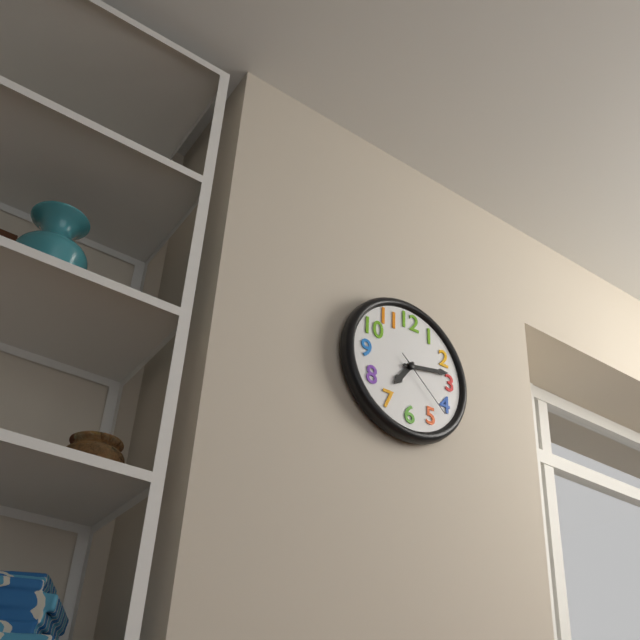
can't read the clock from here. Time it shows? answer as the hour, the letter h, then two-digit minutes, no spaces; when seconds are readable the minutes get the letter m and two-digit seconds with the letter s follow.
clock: 7h13m22s
